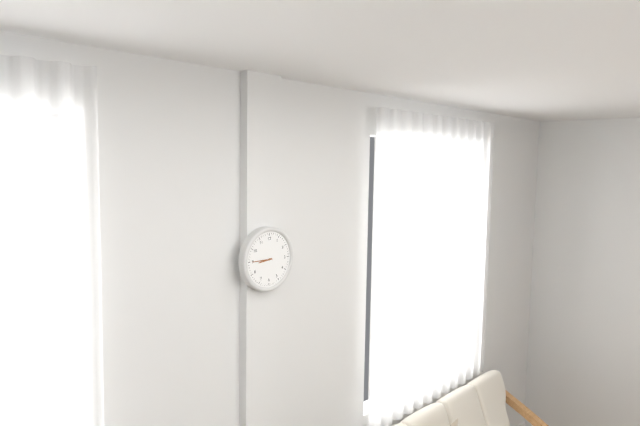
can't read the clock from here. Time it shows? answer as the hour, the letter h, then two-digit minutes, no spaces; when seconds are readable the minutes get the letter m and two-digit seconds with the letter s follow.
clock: 8h45
